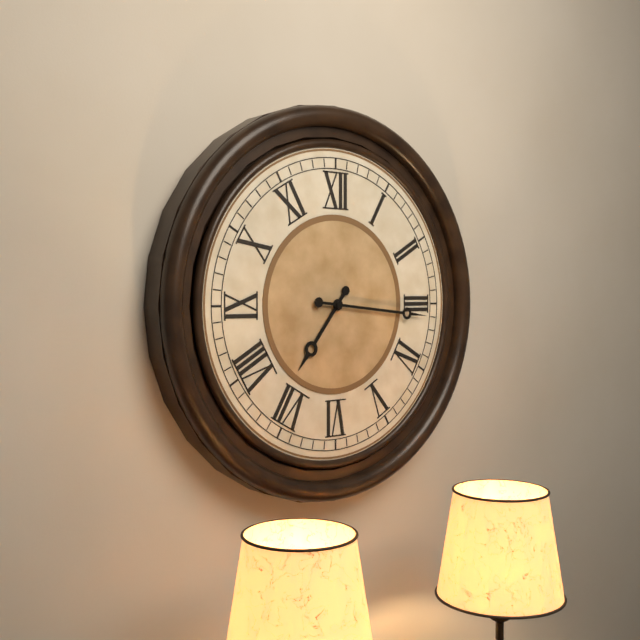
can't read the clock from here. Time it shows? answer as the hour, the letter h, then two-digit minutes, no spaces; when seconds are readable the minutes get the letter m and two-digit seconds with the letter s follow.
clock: 7h16
